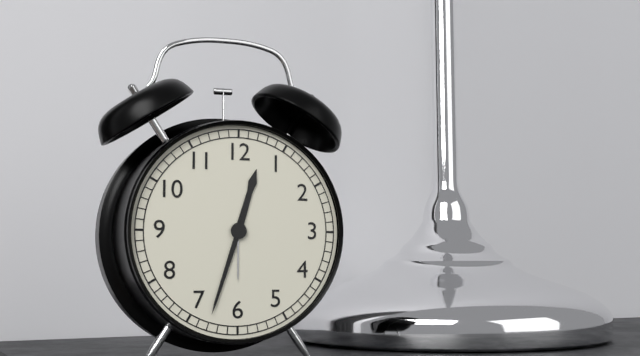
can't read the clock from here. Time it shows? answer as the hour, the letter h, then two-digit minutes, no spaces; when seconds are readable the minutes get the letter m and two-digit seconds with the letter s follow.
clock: 12h33
